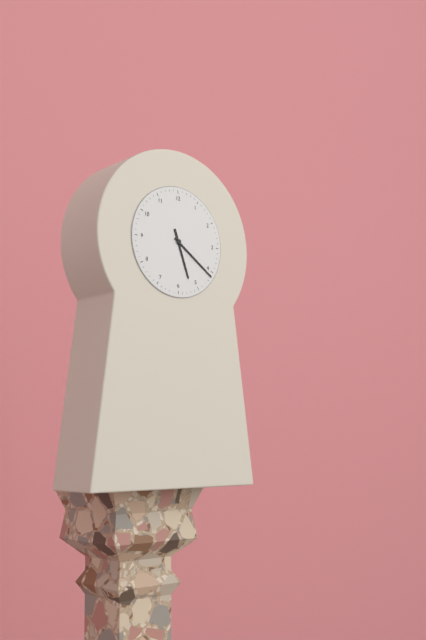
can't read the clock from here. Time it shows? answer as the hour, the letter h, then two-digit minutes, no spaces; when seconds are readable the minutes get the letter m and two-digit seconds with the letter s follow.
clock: 5h21
